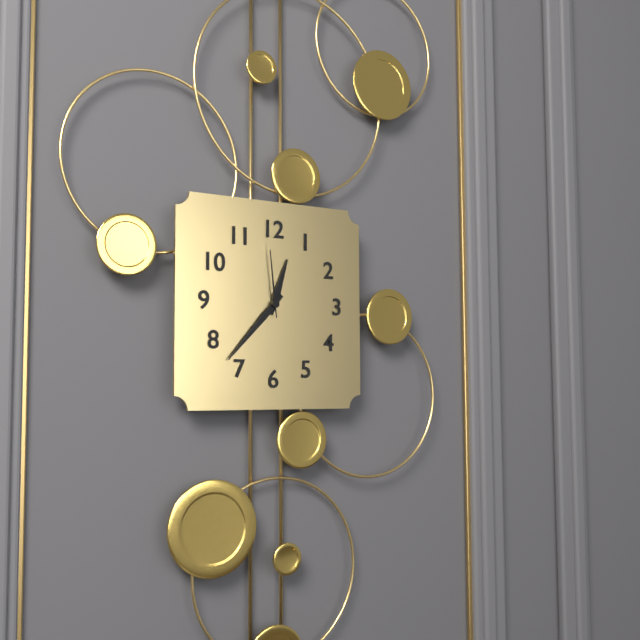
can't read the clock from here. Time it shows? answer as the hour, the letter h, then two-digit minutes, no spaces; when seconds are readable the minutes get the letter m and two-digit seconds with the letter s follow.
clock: 12h37m59s
